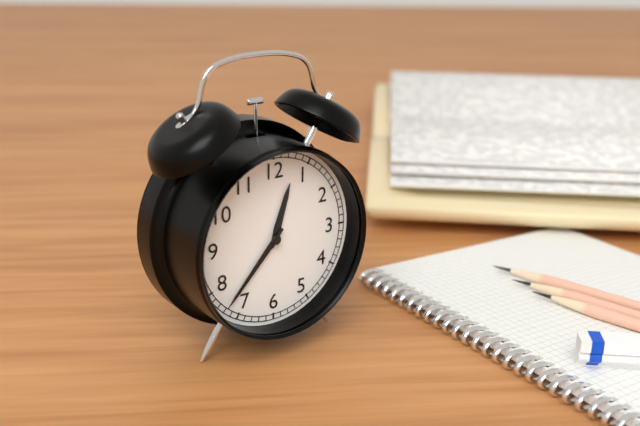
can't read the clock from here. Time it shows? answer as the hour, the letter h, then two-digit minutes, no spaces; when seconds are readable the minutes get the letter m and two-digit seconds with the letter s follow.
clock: 12h37
